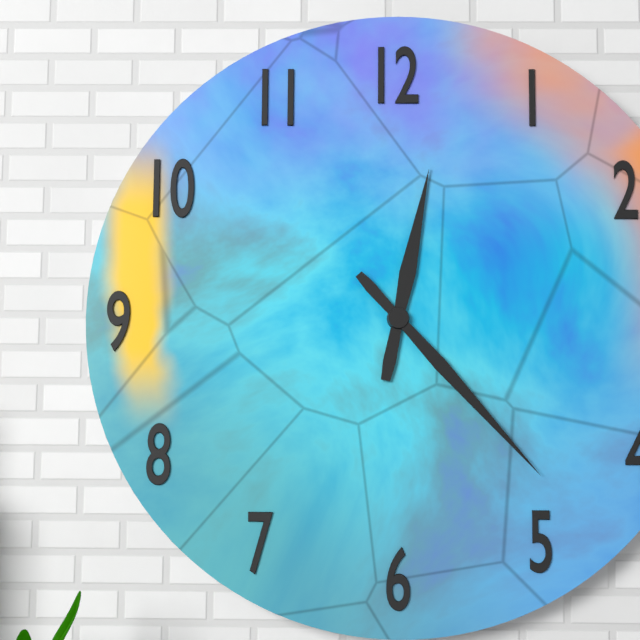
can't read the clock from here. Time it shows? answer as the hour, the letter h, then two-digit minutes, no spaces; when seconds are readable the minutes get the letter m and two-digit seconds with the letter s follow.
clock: 12h23
